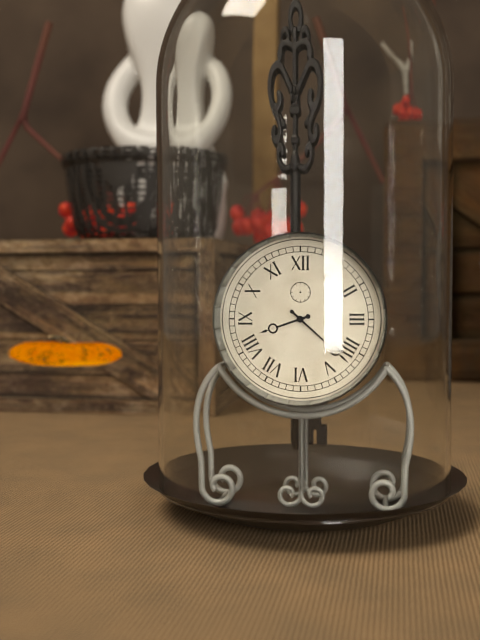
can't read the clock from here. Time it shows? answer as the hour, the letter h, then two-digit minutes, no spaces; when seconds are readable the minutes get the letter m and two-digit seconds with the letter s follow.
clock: 8h22
